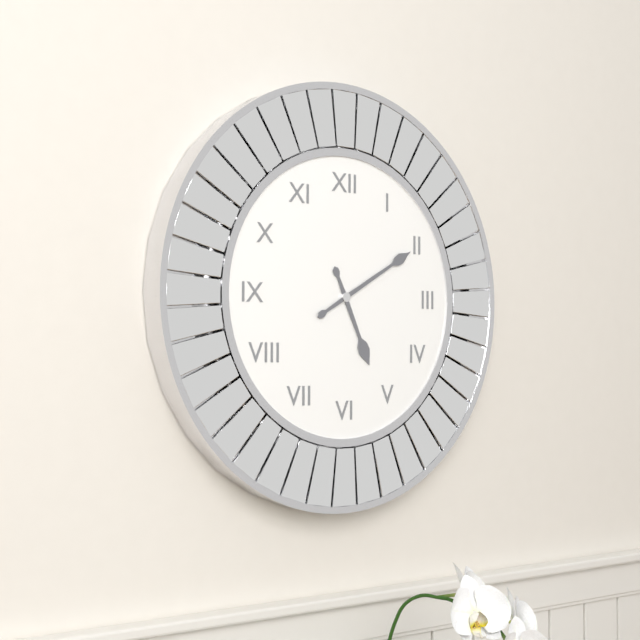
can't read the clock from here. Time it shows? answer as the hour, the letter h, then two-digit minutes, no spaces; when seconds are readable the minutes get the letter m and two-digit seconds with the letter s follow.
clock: 5h10
